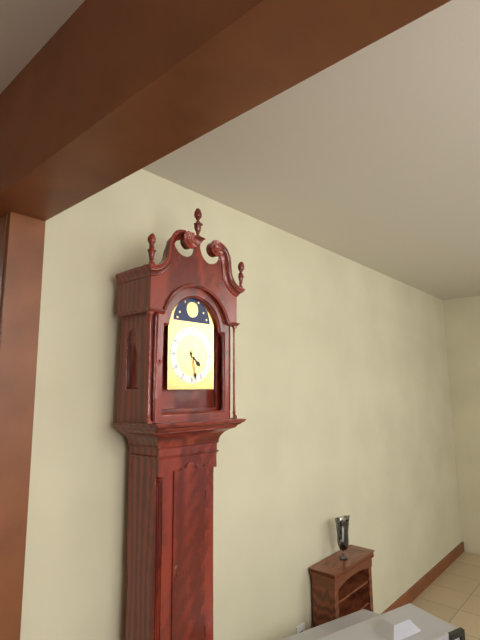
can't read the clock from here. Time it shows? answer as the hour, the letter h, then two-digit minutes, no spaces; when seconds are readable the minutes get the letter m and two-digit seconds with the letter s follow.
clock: 4h28
